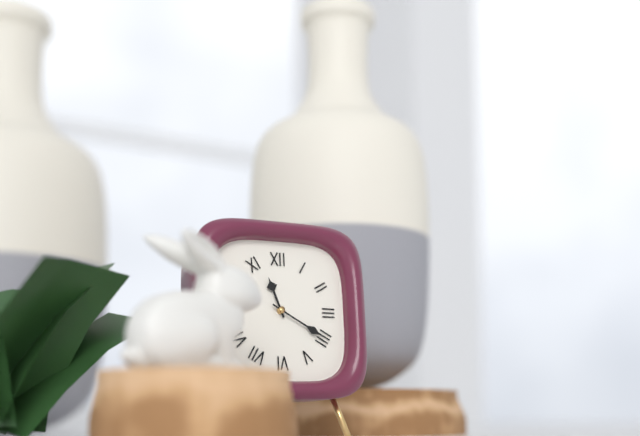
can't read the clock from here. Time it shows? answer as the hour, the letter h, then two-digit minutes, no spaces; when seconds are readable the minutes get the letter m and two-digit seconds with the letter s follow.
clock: 11h20
